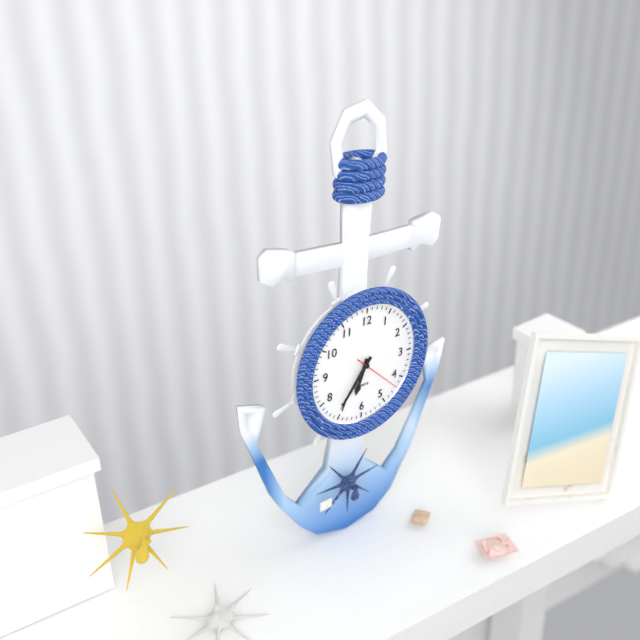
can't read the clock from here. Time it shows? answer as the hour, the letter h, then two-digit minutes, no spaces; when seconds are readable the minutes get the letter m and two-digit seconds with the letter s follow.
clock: 6h36
